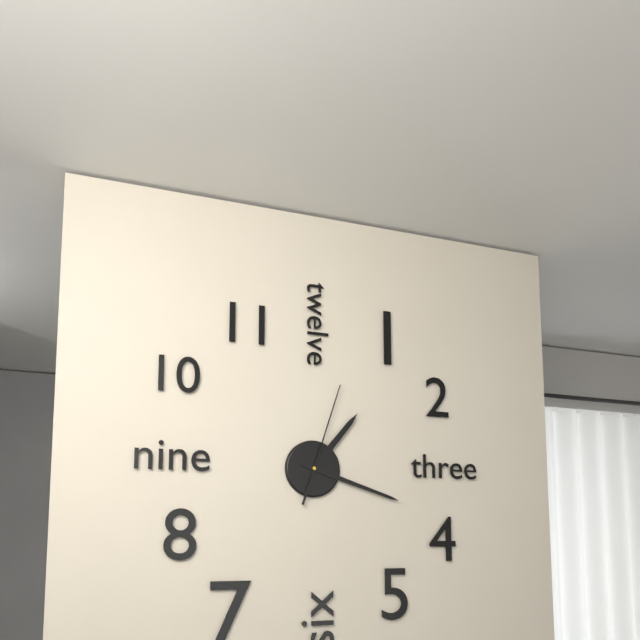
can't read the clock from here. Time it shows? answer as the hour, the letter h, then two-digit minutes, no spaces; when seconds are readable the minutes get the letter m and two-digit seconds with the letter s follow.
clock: 1h18m03s
